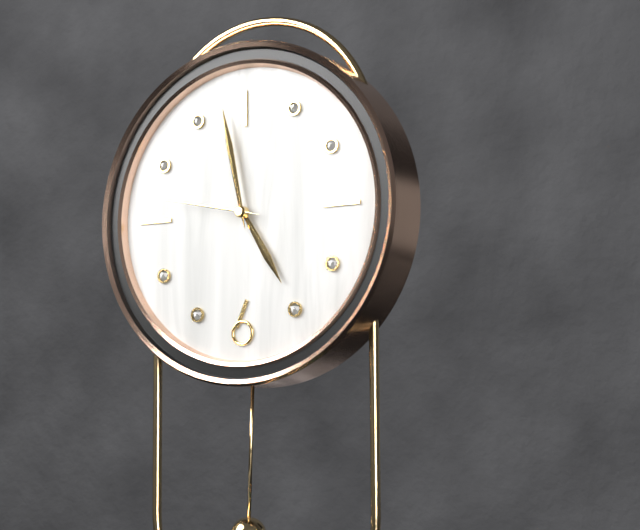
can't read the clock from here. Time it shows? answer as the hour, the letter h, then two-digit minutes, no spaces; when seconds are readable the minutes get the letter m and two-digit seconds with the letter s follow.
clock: 4h58m47s
